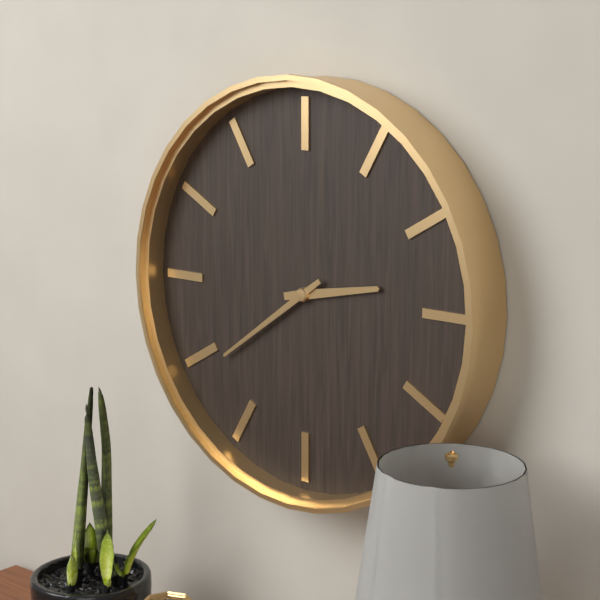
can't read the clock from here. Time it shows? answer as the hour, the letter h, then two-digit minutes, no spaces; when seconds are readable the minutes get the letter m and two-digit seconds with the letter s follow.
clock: 2h39
